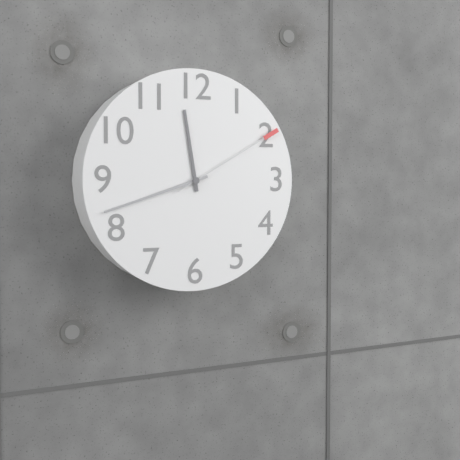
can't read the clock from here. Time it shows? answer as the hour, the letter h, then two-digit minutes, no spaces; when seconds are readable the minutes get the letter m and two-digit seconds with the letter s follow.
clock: 11h42m10s
